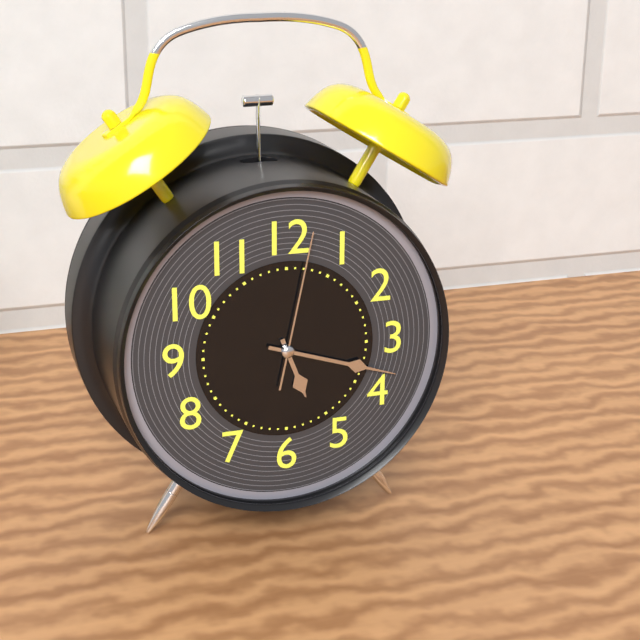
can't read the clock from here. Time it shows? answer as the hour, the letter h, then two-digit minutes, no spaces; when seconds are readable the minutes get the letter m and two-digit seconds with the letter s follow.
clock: 5h18m02s
